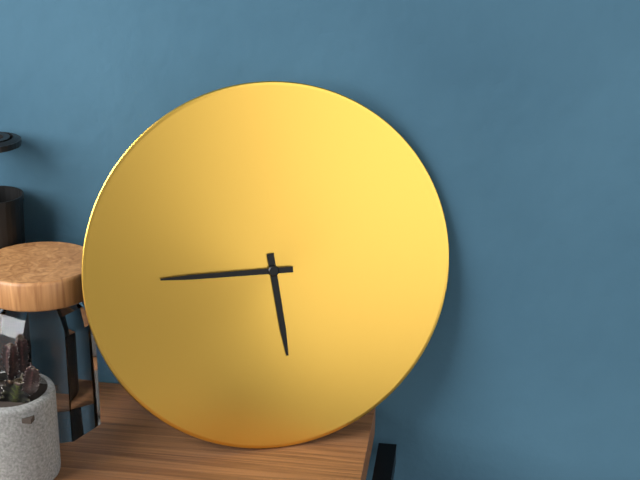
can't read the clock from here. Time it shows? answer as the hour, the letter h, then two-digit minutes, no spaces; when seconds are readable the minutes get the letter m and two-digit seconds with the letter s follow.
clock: 5h45
